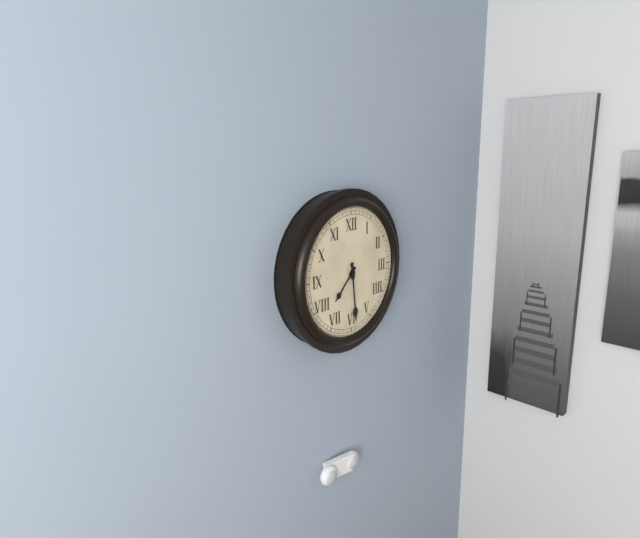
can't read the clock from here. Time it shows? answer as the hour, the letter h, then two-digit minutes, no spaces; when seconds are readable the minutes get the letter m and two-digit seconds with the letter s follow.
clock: 7h29
